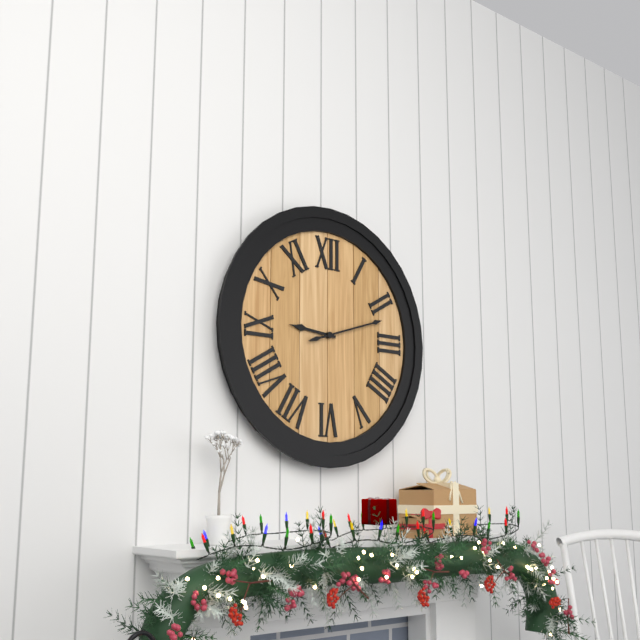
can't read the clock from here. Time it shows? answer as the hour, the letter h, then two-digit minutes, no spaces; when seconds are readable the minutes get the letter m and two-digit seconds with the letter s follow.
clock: 9h12
